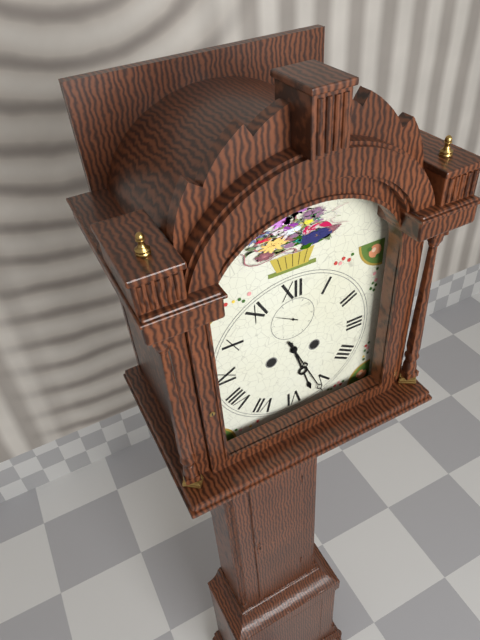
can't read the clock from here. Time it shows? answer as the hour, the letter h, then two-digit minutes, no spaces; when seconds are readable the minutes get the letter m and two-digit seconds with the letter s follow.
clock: 5h26
